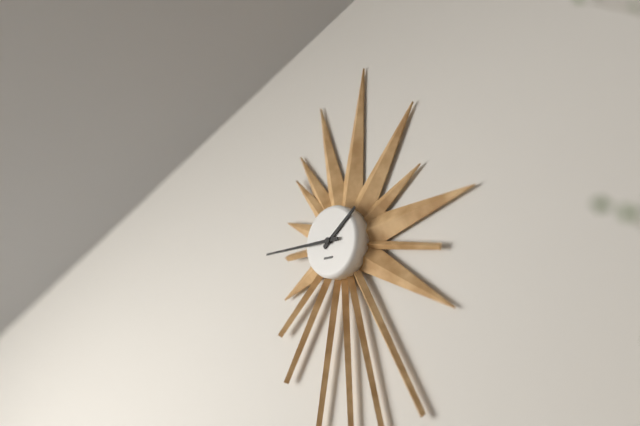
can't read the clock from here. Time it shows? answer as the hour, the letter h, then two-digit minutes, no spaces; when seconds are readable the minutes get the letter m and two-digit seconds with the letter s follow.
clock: 1h45
